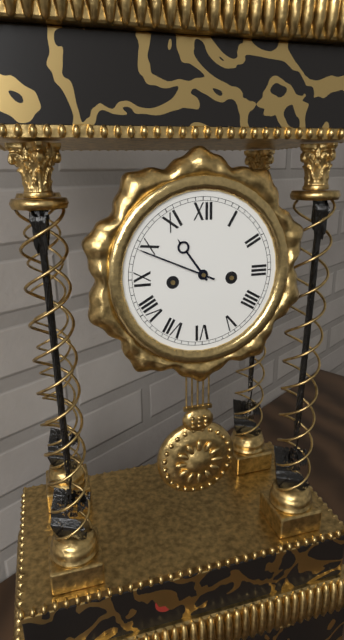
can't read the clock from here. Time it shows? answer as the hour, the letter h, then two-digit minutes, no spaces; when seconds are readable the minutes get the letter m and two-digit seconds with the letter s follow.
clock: 10h49
